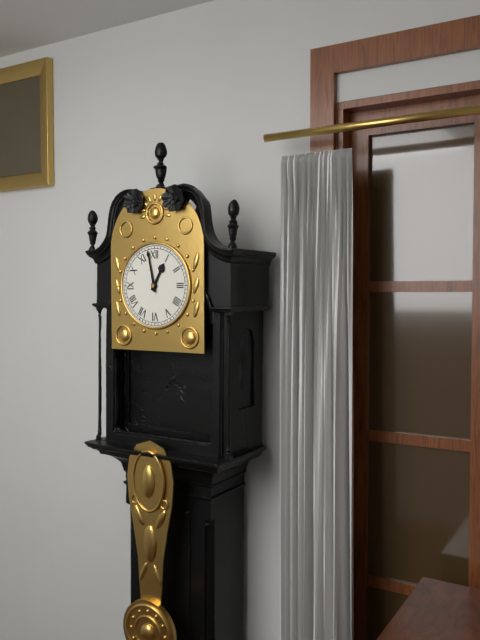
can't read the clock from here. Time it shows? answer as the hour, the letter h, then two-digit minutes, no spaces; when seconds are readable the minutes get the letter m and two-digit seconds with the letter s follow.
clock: 12h58
